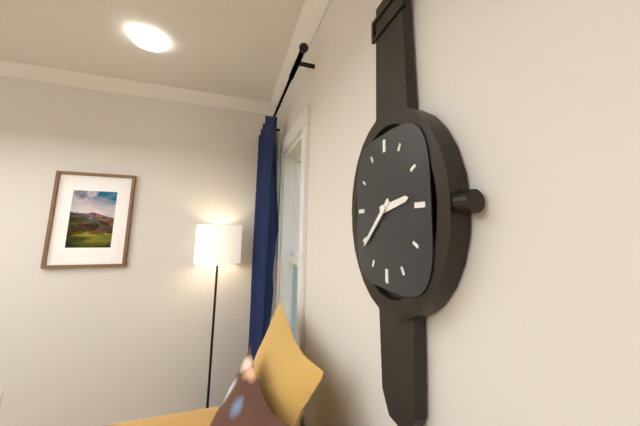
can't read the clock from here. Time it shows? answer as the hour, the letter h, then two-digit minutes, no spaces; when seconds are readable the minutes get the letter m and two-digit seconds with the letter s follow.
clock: 2h38
